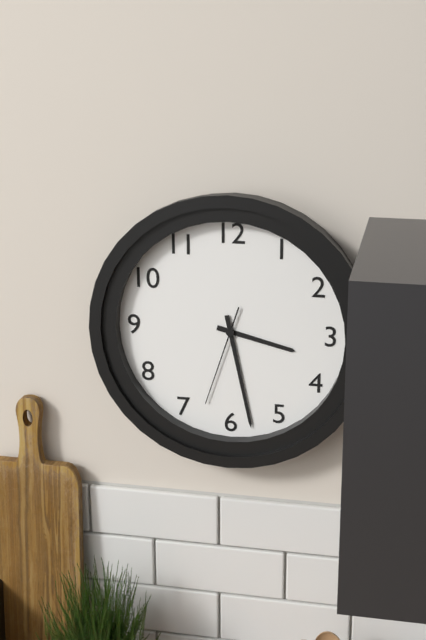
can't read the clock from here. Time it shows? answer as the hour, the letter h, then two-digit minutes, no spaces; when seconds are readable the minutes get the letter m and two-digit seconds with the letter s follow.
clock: 3h28m33s
